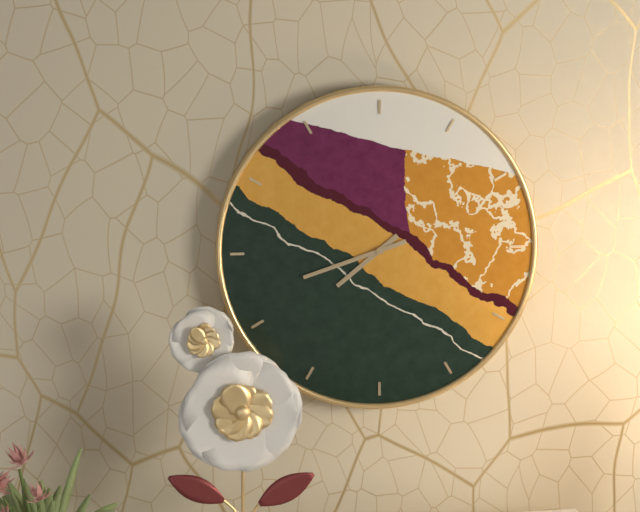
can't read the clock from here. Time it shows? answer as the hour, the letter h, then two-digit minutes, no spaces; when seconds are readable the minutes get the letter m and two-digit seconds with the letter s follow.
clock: 7h42
